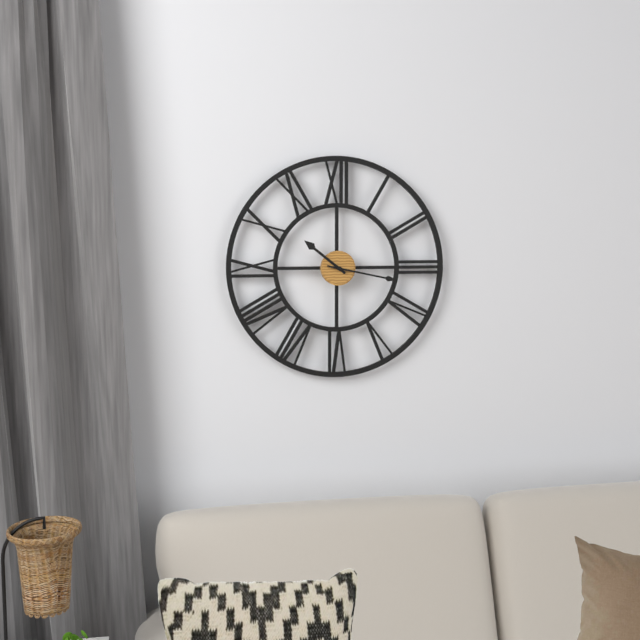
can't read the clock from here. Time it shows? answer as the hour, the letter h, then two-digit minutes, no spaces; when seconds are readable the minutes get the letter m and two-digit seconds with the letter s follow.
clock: 10h17
